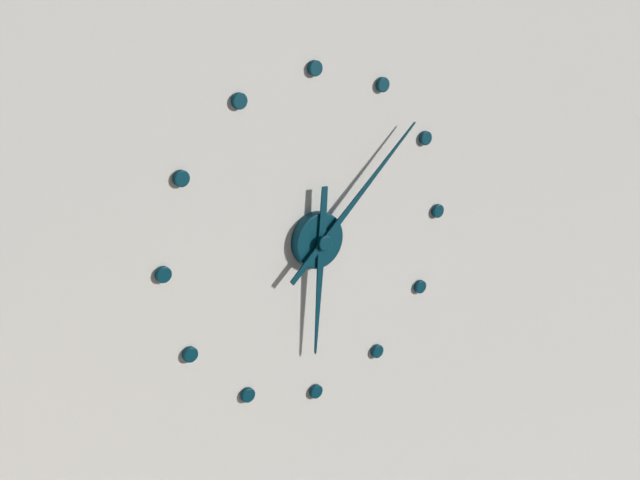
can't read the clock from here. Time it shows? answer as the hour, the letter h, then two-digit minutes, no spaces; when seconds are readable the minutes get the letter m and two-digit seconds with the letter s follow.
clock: 6h08
